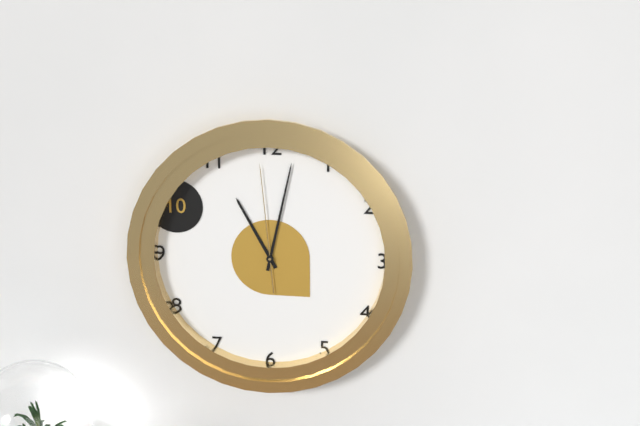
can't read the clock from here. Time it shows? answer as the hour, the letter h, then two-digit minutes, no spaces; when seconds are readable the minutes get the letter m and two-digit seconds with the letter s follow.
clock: 11h02m59s
